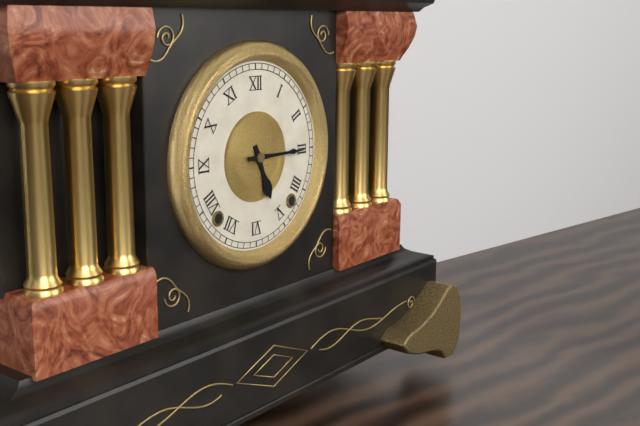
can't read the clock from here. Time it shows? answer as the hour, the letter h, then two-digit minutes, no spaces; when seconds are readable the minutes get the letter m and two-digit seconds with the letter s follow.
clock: 5h15
